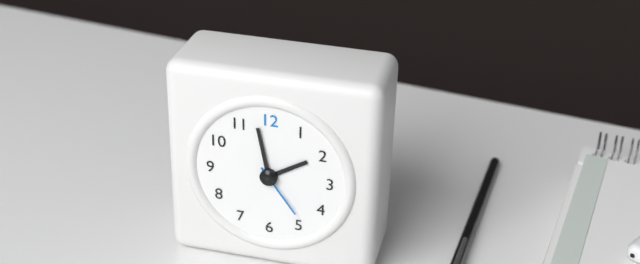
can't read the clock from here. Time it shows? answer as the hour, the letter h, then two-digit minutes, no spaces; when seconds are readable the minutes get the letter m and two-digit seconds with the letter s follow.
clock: 1h58m24s
